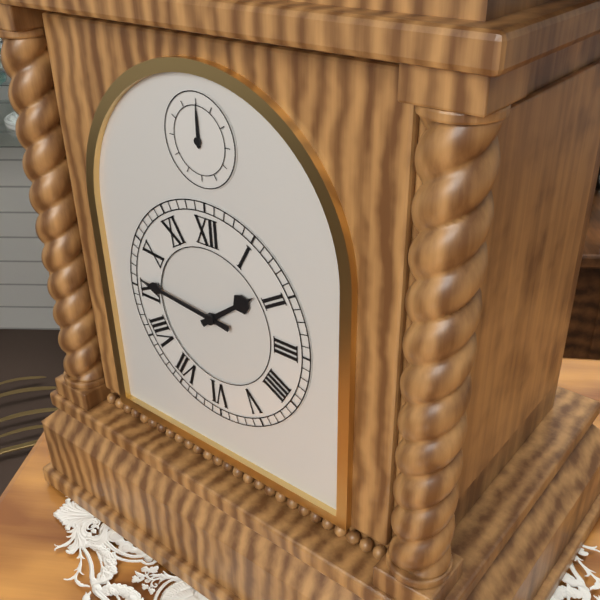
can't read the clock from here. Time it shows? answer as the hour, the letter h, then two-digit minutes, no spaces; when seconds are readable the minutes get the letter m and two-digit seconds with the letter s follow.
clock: 1h46
